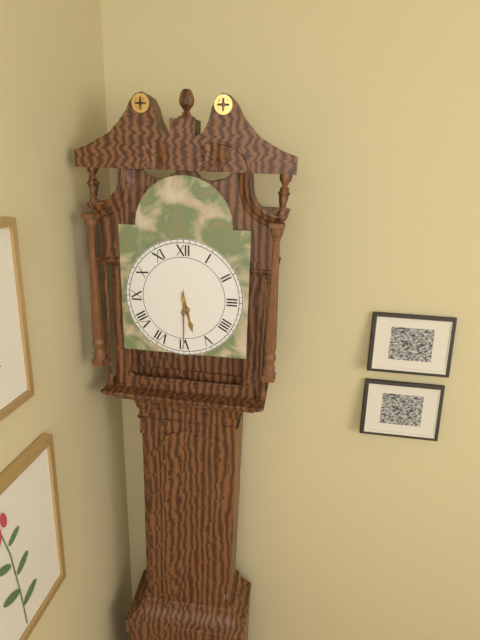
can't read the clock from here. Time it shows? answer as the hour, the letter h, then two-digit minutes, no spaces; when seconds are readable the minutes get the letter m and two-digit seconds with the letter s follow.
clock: 5h30
